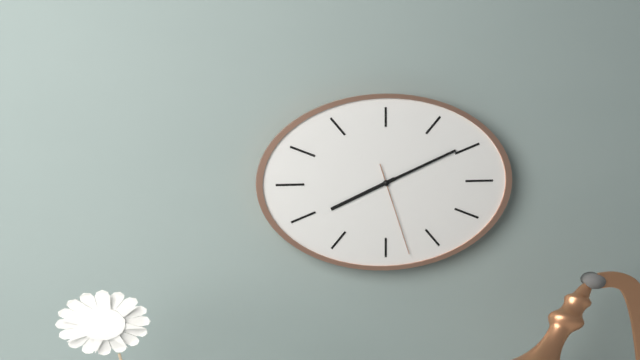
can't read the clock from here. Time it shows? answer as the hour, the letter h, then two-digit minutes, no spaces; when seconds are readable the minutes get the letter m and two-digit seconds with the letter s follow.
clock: 8h11m27s
